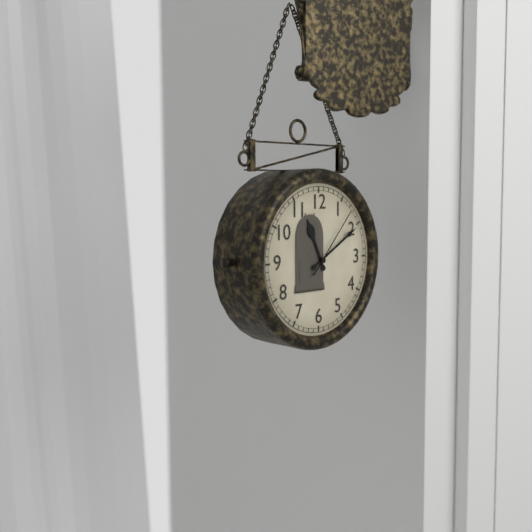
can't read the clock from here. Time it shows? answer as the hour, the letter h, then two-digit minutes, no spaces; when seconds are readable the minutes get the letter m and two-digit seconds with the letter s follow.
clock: 11h10m07s
